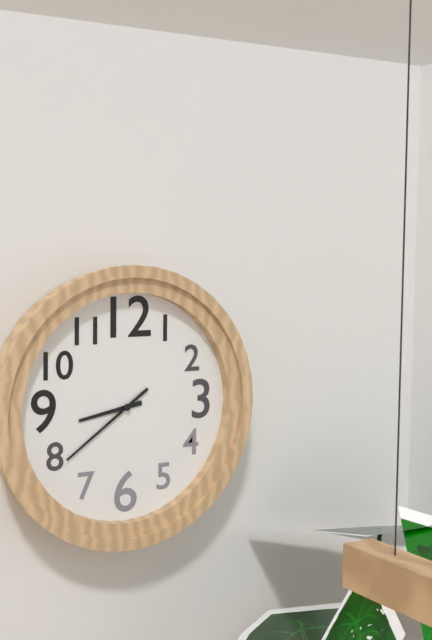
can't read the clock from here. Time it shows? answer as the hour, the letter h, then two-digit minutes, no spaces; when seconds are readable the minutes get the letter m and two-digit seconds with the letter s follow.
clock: 8h39
